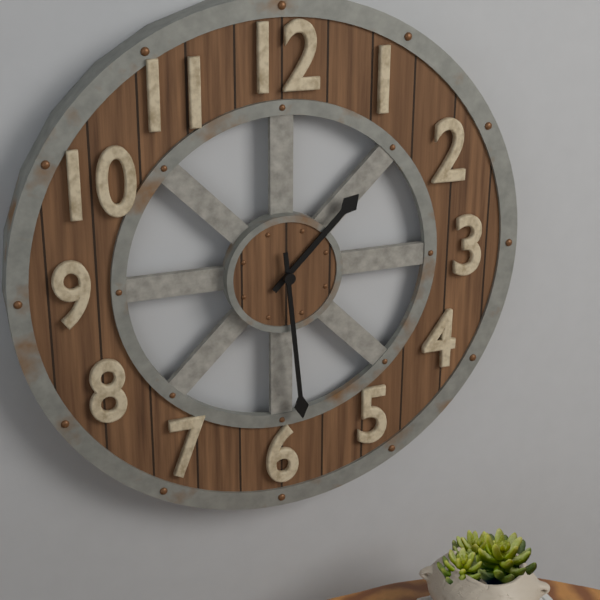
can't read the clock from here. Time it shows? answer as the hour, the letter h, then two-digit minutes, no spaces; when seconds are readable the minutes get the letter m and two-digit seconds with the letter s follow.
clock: 1h29
